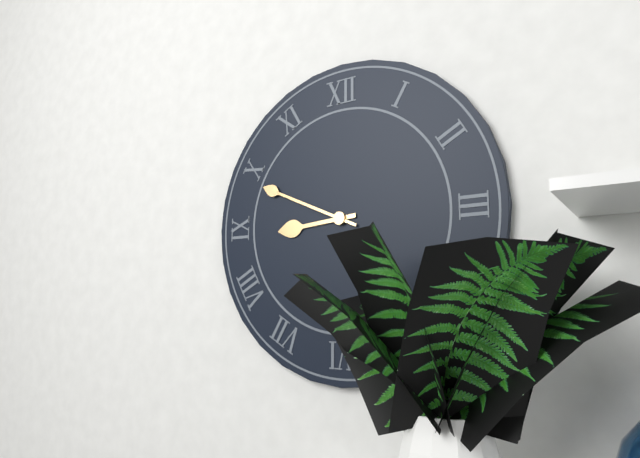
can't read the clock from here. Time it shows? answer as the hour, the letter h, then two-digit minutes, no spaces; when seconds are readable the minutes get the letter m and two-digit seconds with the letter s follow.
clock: 8h49
